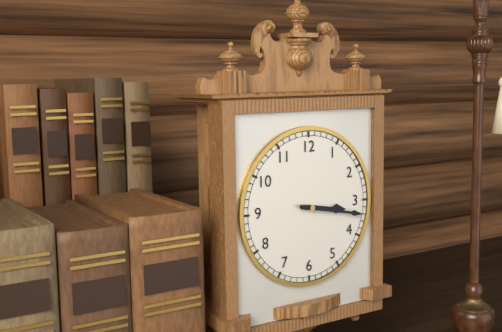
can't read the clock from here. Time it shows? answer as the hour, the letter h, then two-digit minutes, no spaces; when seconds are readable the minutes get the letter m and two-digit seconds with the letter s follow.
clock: 3h17
